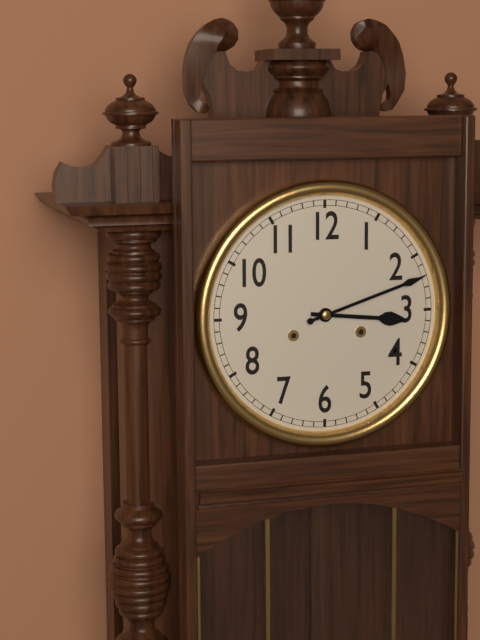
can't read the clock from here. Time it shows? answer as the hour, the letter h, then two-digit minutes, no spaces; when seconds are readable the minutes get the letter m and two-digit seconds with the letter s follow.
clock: 3h12
